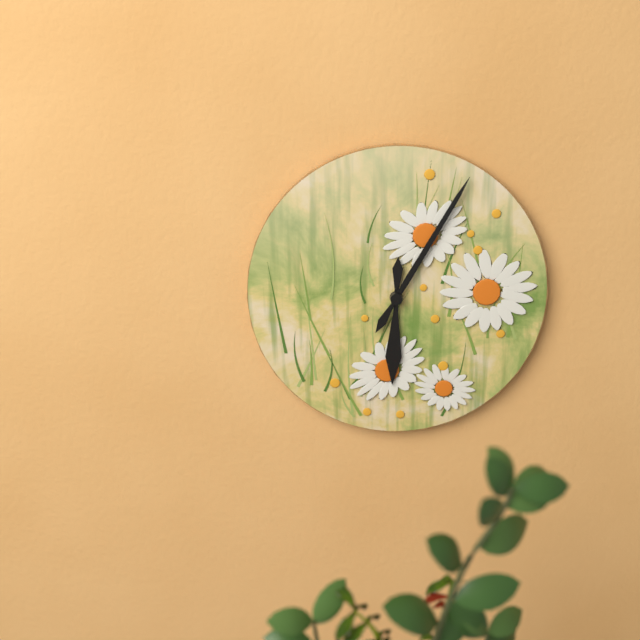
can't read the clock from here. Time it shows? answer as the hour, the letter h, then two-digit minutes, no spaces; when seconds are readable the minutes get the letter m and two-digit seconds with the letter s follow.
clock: 6h05
